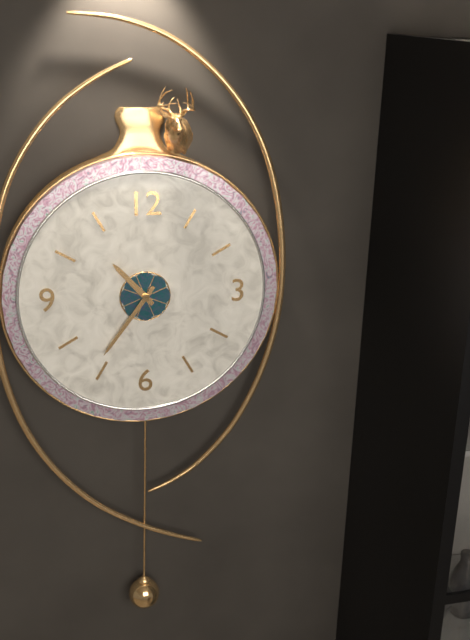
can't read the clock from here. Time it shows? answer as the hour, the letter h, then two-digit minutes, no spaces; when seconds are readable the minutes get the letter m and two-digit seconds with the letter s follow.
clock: 10h36
